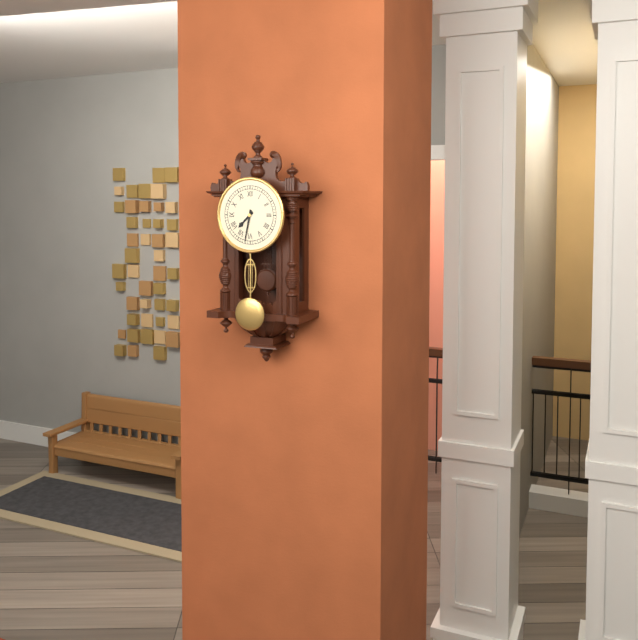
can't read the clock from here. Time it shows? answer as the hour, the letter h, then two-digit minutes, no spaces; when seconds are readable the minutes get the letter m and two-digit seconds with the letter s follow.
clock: 7h32
